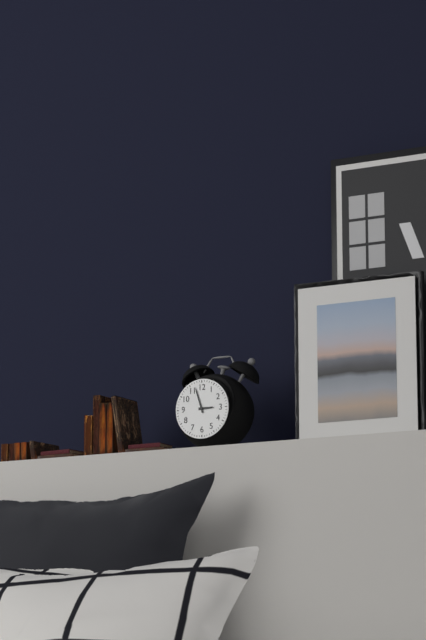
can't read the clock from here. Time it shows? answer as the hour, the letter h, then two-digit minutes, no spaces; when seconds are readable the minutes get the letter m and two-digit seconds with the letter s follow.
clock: 2h57
